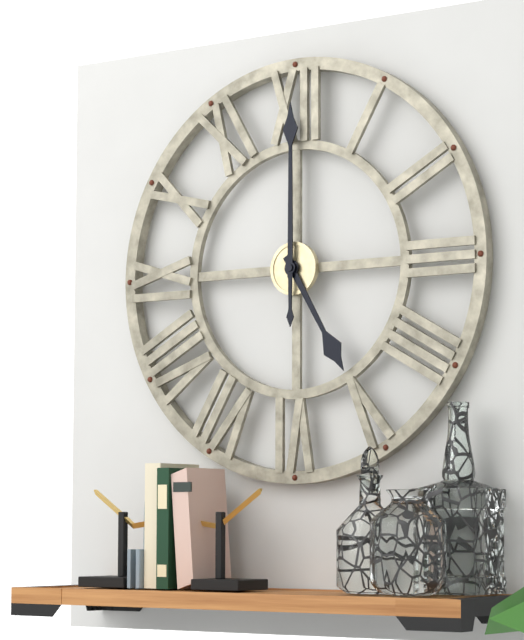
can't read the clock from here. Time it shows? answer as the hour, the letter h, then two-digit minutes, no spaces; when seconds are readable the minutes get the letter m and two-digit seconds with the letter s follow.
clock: 5h00
